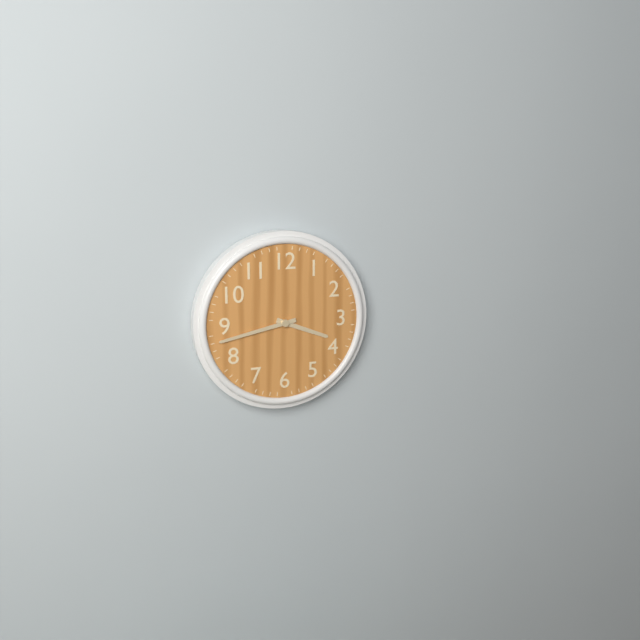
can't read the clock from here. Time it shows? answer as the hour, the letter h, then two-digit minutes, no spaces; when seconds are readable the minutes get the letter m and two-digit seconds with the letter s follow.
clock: 3h43
